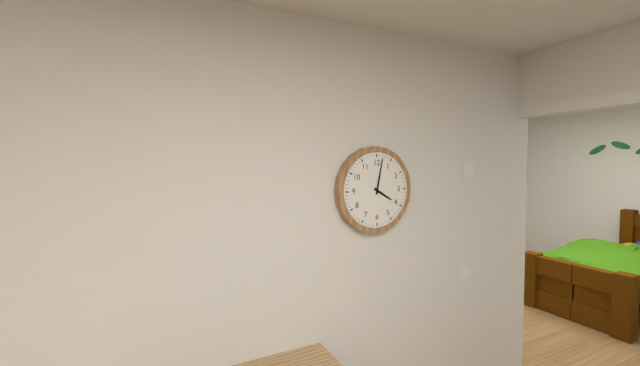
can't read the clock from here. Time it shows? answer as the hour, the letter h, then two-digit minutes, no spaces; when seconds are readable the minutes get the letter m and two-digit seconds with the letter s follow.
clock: 4h02
